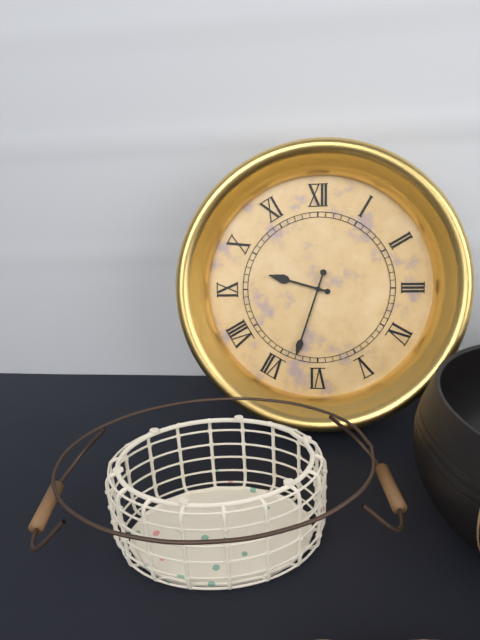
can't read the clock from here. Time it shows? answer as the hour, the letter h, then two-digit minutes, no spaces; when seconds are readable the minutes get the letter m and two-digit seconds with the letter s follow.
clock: 9h33
